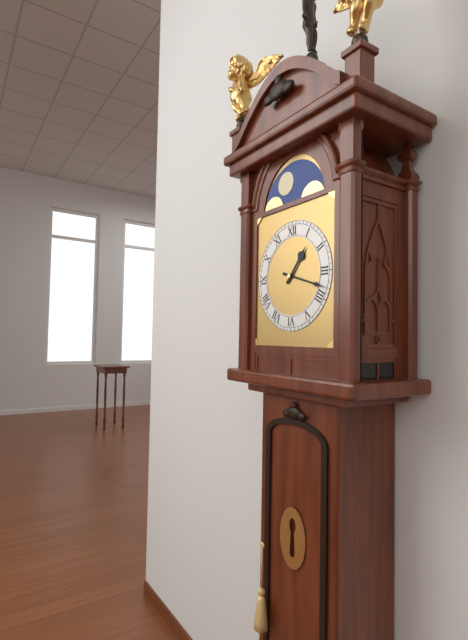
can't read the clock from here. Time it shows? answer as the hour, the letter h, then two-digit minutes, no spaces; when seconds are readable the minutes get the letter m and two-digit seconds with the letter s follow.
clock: 1h18
